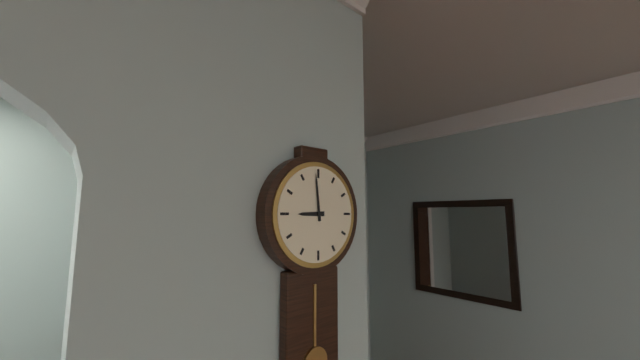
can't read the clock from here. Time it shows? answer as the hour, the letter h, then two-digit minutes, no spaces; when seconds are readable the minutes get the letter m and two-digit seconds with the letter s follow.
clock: 8h59
